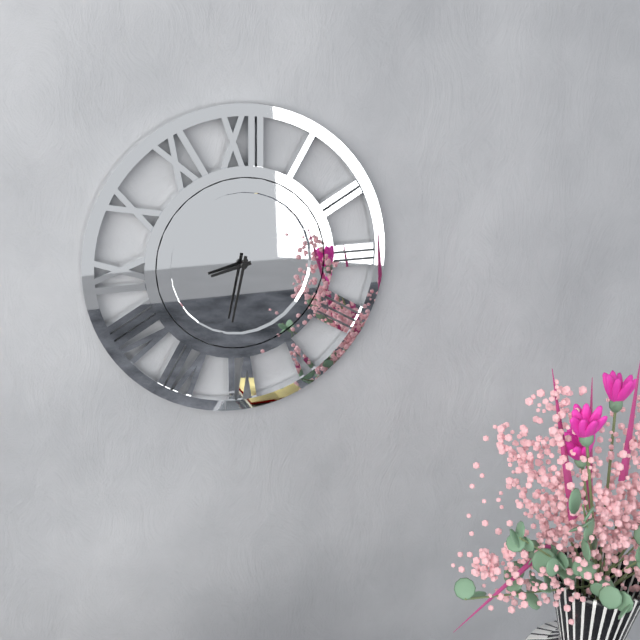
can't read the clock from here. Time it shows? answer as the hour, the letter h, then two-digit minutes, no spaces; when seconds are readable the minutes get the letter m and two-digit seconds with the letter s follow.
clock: 8h32
